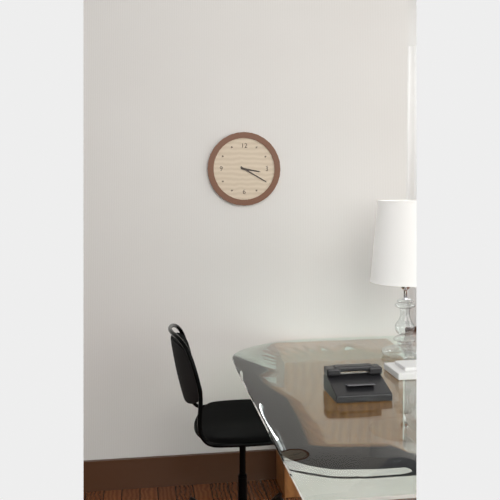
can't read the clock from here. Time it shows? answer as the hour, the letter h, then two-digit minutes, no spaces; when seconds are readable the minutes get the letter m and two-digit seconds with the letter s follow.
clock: 3h20
